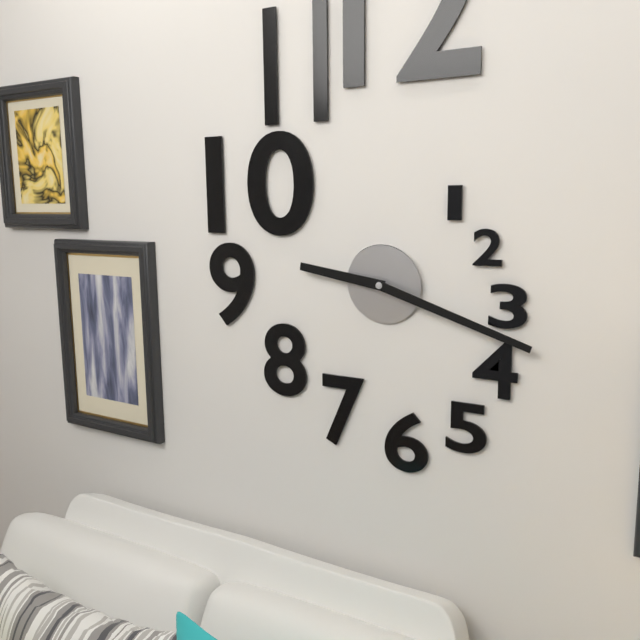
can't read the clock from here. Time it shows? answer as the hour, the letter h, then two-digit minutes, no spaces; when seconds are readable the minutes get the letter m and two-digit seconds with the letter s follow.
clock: 9h18
